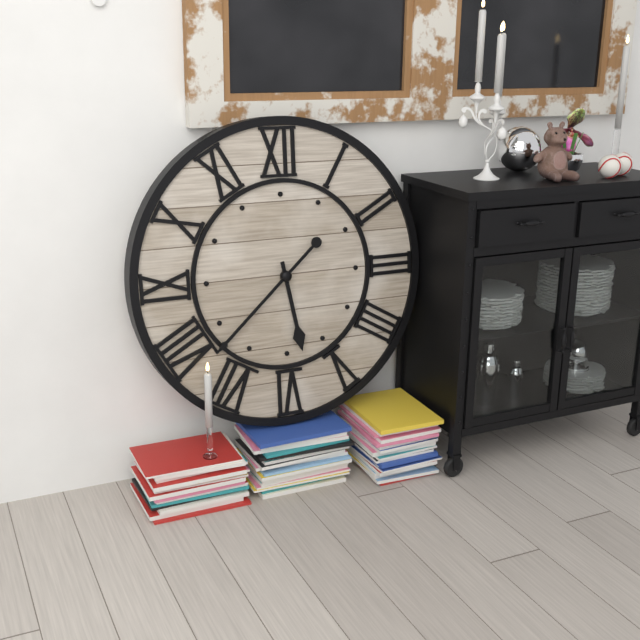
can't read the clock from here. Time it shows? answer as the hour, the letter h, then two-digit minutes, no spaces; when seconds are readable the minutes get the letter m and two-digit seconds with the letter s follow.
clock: 5h38
